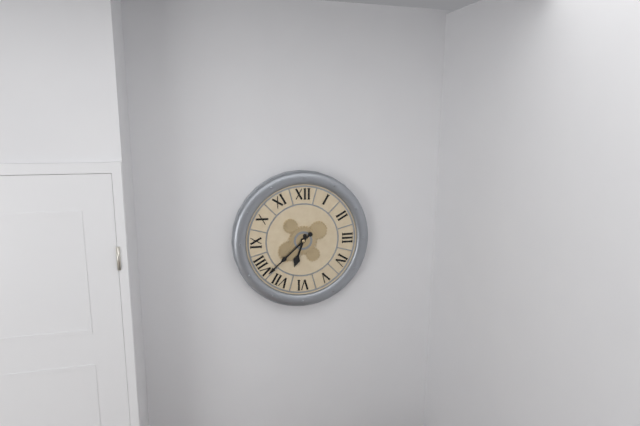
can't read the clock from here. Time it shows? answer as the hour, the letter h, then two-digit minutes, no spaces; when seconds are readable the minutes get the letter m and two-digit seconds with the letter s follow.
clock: 6h38
